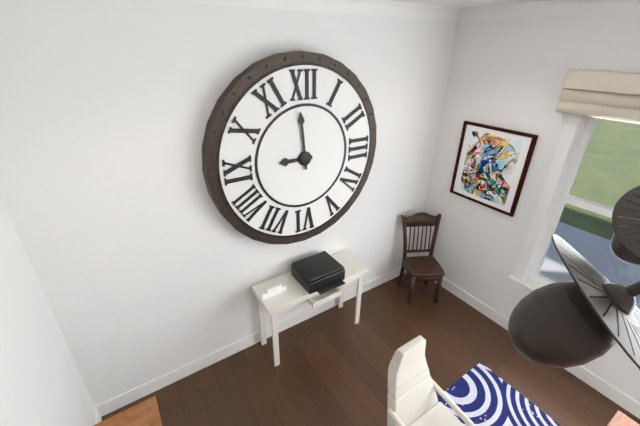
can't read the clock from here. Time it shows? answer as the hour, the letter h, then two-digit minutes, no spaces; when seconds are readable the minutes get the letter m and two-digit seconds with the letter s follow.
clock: 8h59
